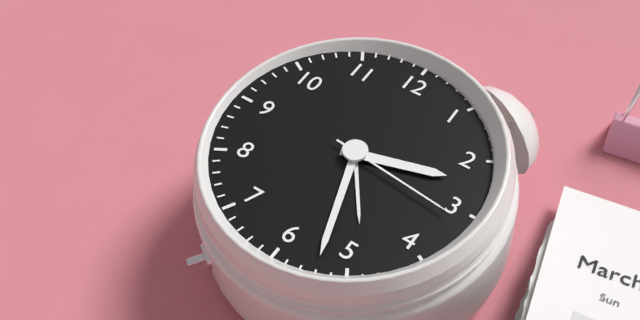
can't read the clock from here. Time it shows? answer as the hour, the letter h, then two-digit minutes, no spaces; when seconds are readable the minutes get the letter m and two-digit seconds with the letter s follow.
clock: 2h27m16s
